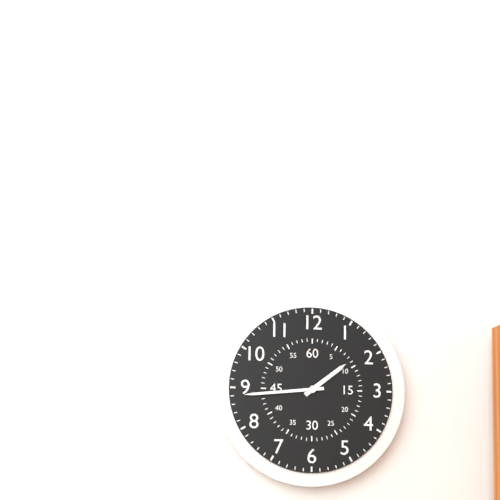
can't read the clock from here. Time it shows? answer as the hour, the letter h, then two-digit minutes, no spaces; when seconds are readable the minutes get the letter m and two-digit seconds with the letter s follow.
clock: 1h44
